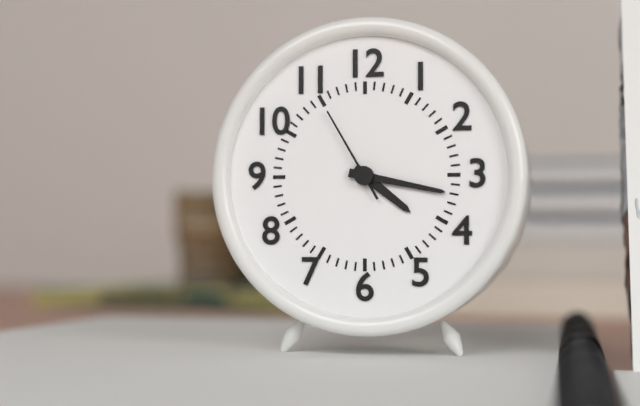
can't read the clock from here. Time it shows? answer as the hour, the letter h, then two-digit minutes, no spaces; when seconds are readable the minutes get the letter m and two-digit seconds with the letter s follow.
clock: 4h17m55s
